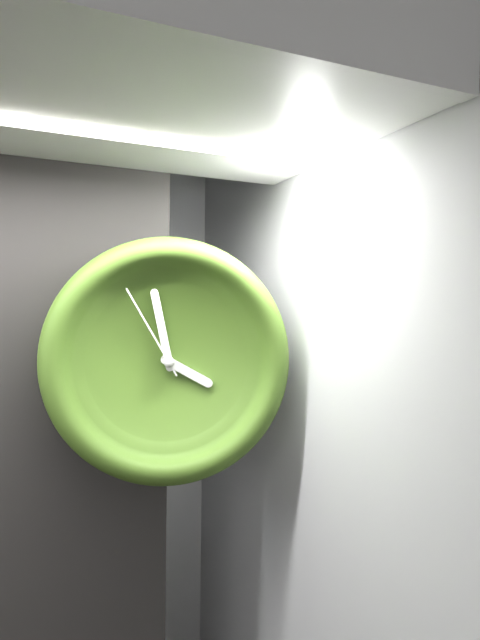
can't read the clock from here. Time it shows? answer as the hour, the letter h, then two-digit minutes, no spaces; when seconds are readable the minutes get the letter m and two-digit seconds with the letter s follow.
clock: 3h58m55s
